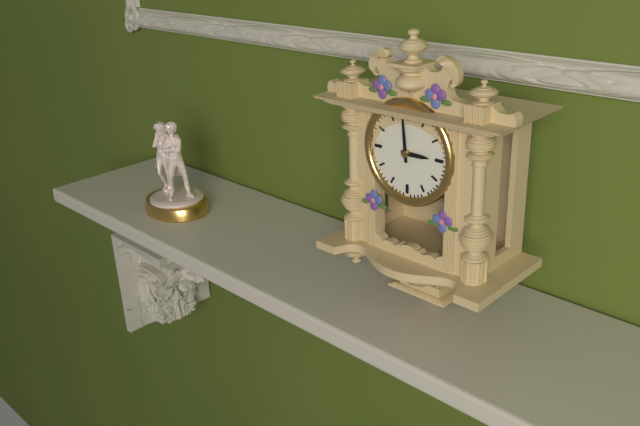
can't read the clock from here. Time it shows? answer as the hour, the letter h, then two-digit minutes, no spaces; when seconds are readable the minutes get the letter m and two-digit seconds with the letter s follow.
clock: 2h59
